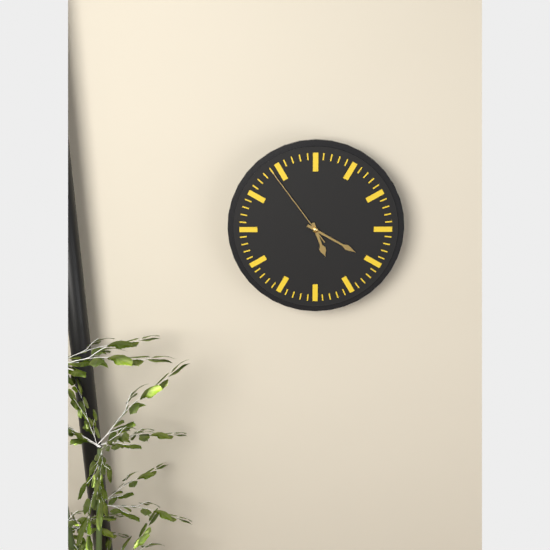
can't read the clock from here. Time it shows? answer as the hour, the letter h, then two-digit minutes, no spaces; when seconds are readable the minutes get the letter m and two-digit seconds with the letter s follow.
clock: 5h20m54s
